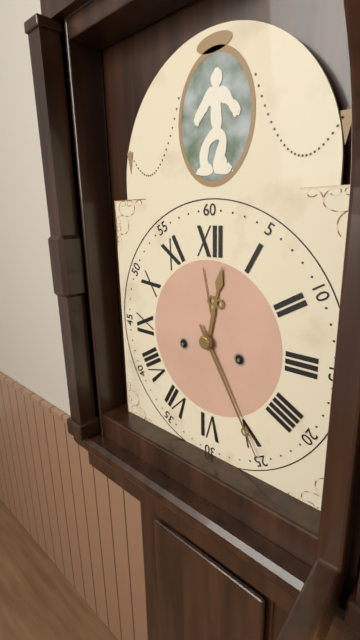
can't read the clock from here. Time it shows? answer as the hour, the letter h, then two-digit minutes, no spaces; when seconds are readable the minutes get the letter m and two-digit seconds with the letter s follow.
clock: 12h25
